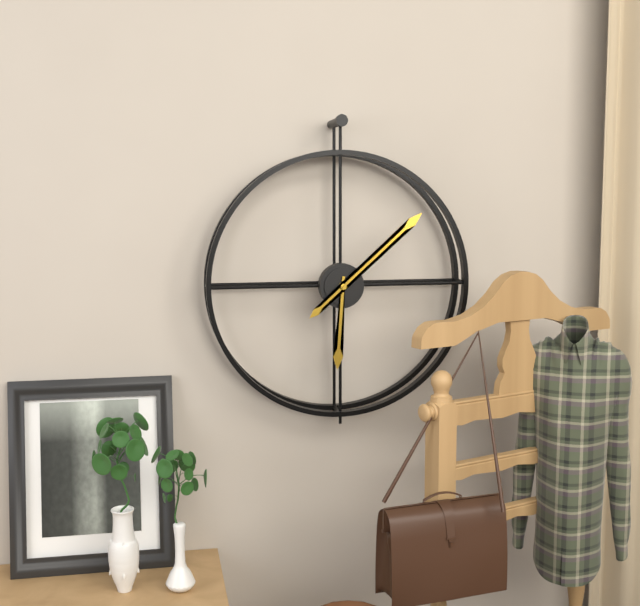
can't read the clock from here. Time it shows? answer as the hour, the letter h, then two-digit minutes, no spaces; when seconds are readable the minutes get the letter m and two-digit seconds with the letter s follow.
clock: 6h08
